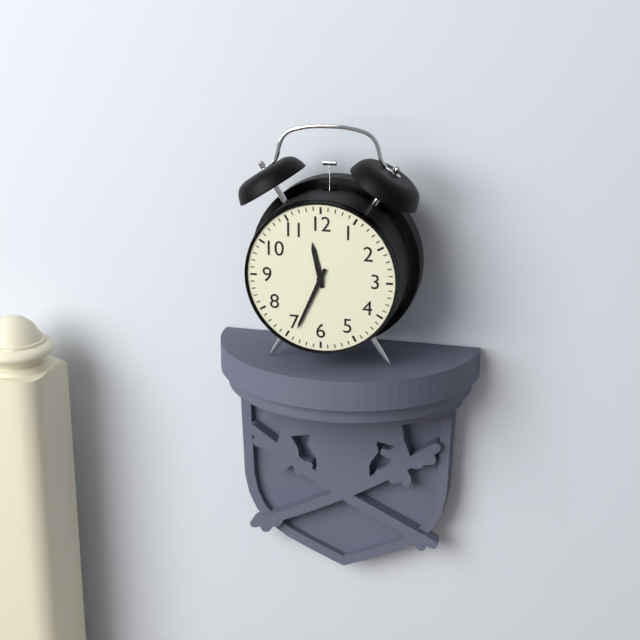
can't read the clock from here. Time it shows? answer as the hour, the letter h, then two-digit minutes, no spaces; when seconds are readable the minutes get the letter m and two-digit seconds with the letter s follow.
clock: 11h34
